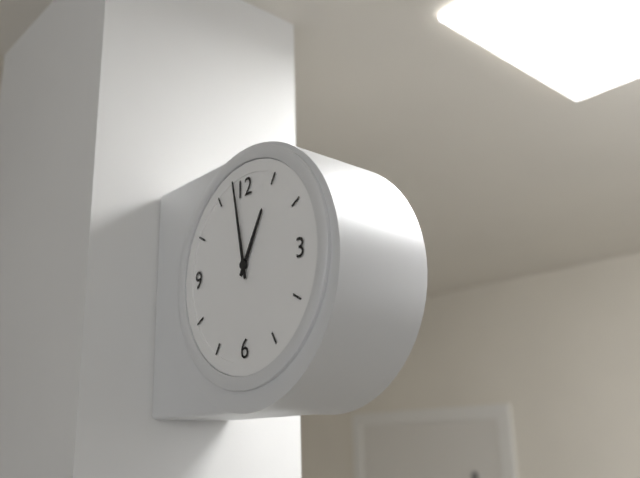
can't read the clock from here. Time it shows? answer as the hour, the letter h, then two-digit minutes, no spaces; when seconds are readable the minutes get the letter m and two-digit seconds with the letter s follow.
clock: 12h58
